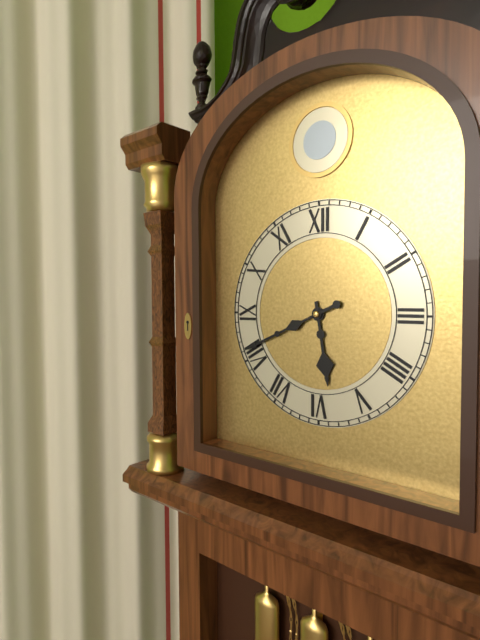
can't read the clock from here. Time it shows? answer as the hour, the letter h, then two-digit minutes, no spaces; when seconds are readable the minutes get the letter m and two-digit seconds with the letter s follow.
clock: 5h41
